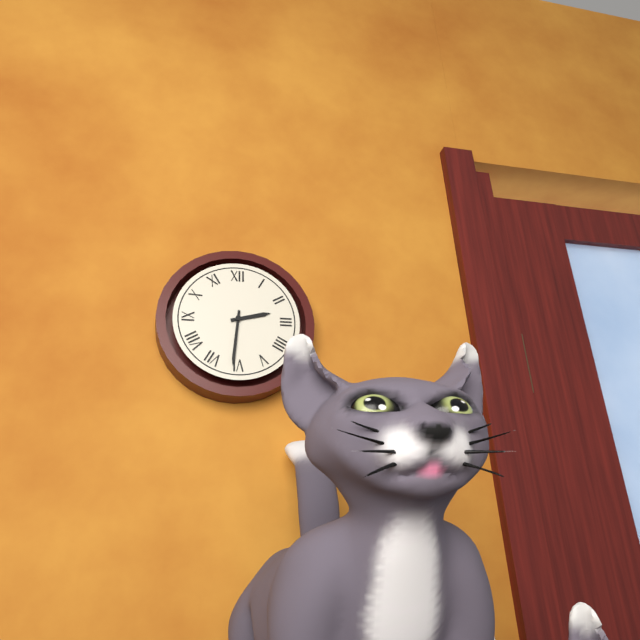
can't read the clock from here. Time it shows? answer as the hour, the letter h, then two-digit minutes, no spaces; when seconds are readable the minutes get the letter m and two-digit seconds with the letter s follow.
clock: 2h31
